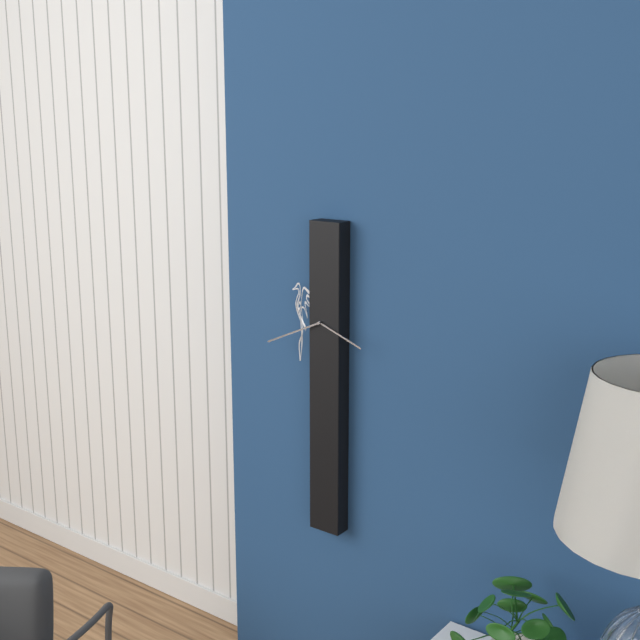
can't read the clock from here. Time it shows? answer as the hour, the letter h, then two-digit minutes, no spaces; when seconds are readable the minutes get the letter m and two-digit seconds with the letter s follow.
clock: 3h41
